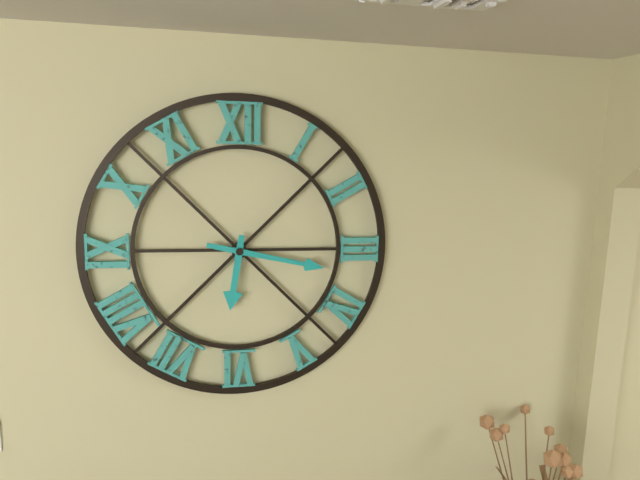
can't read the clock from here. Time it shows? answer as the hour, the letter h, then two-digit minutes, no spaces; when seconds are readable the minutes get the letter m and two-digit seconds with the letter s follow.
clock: 6h17
